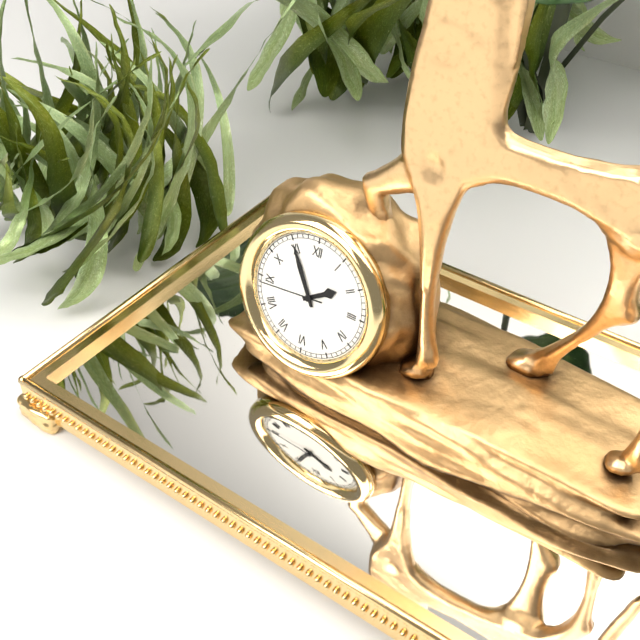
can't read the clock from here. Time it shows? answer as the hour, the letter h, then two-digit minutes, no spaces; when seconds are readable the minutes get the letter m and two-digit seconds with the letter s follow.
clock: 1h55m44s
